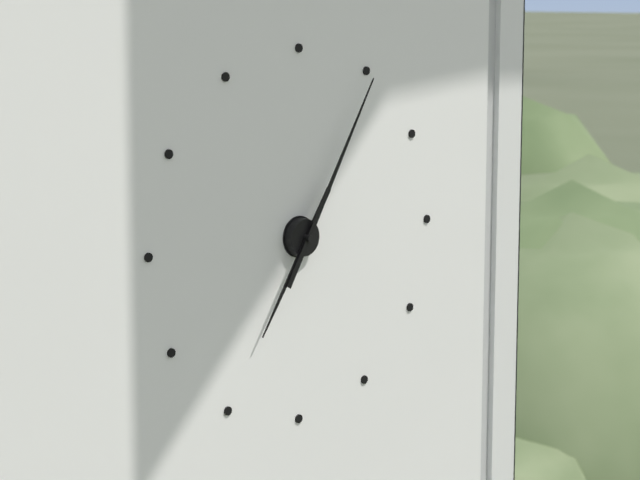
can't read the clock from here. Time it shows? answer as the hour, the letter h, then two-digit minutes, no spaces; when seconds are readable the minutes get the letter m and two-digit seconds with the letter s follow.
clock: 7h05
